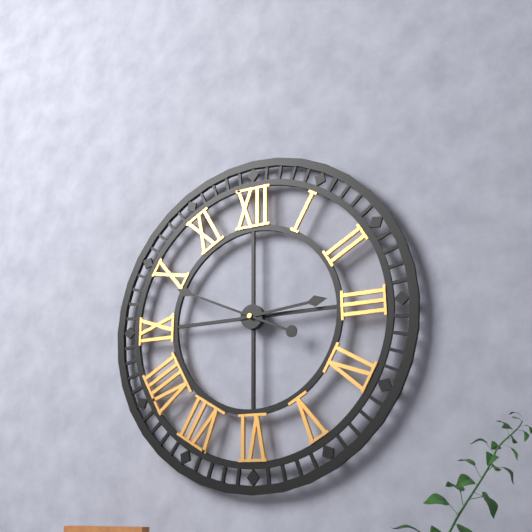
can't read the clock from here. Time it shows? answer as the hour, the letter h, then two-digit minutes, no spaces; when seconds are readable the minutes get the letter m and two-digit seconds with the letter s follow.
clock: 2h49
